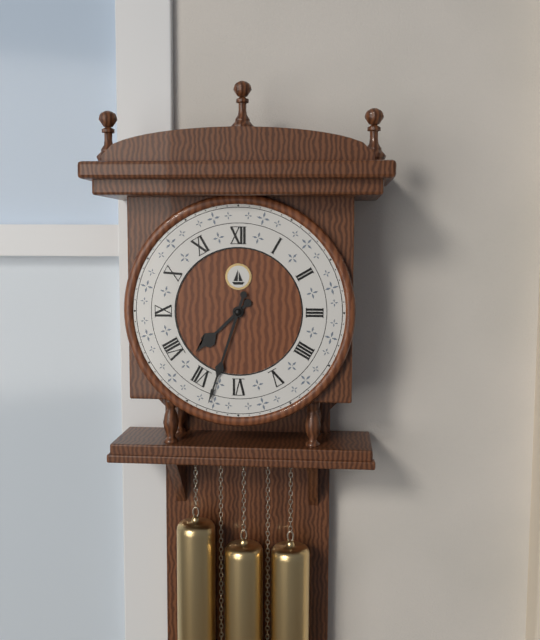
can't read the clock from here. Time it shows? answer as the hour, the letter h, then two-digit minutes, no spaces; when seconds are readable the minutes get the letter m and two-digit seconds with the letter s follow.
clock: 7h33
